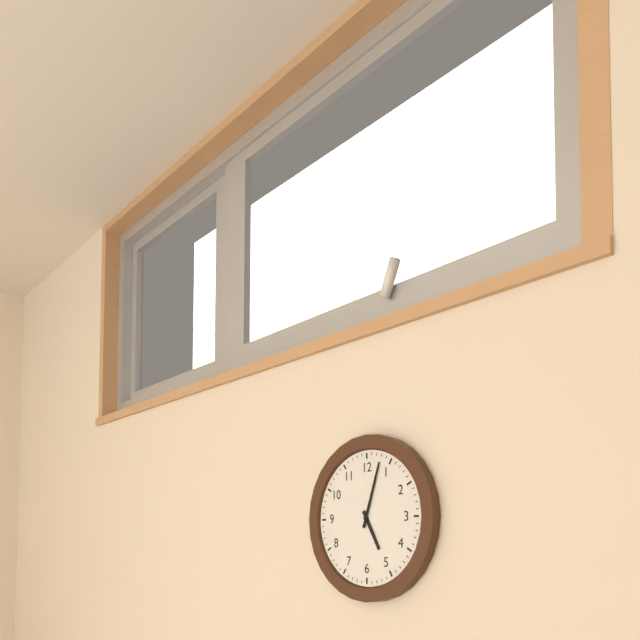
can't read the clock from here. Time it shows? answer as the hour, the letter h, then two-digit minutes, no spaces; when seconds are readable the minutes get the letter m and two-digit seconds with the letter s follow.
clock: 5h03
